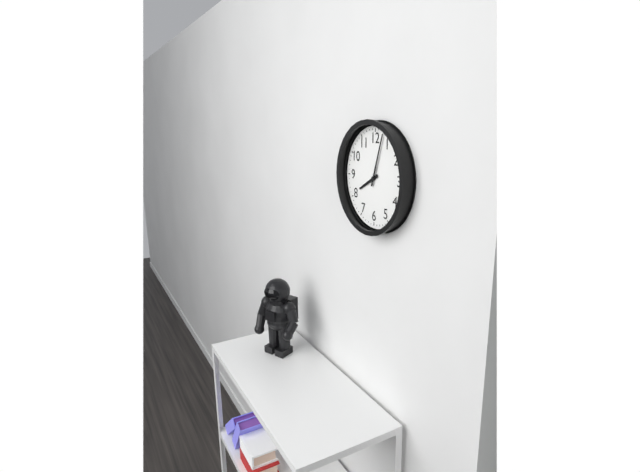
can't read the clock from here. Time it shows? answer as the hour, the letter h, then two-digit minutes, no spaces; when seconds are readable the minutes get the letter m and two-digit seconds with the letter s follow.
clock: 8h03
